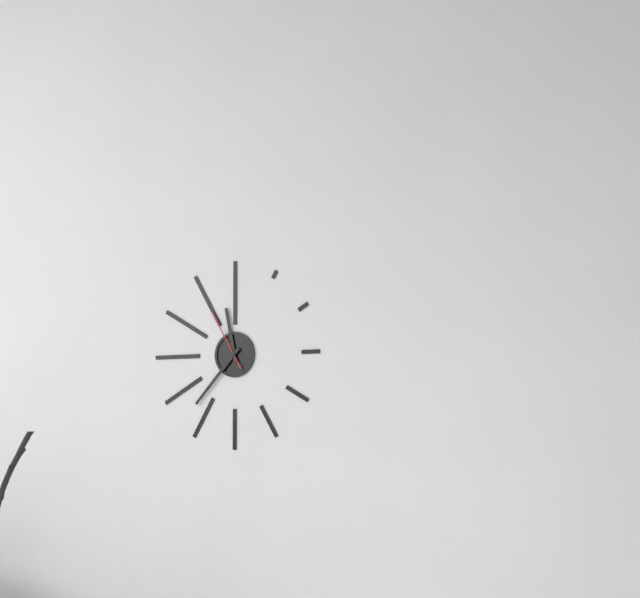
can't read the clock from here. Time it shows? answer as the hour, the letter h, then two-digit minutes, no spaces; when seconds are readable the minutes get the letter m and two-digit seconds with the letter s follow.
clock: 11h37m55s
